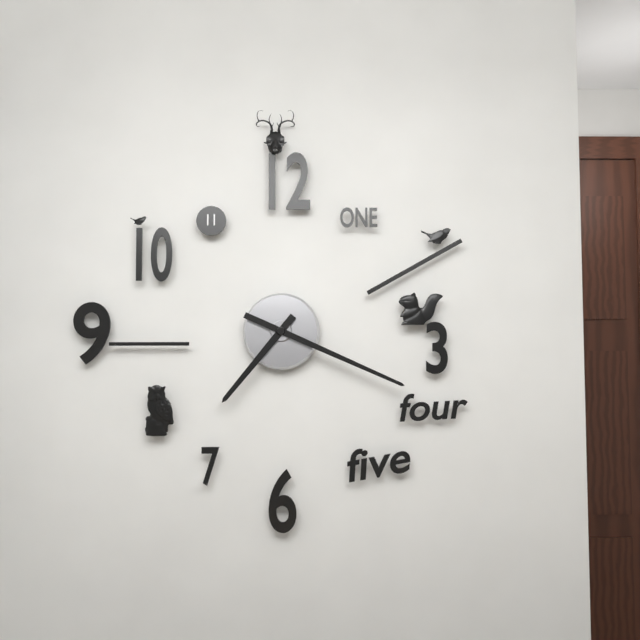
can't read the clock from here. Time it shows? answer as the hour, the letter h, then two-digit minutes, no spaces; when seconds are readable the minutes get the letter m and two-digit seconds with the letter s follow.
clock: 7h19
